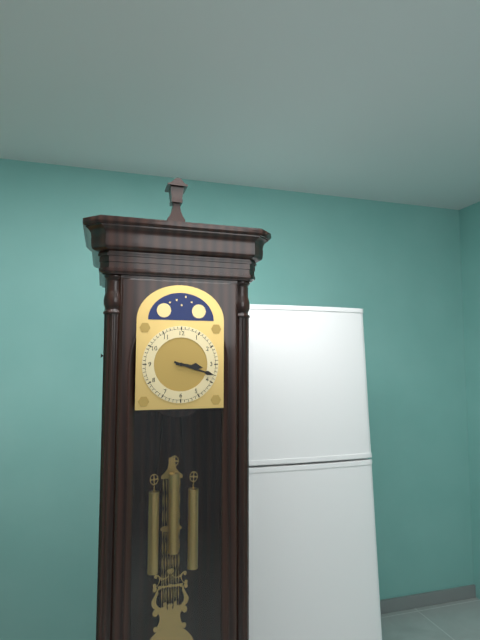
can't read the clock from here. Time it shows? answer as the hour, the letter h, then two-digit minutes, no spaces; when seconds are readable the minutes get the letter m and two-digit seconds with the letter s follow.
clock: 3h18
